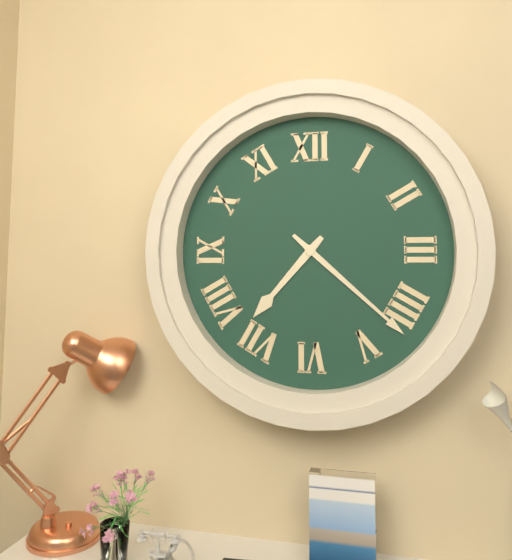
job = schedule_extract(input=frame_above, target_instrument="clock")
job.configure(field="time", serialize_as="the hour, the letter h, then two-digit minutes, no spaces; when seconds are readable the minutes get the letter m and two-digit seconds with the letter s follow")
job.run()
7h22
